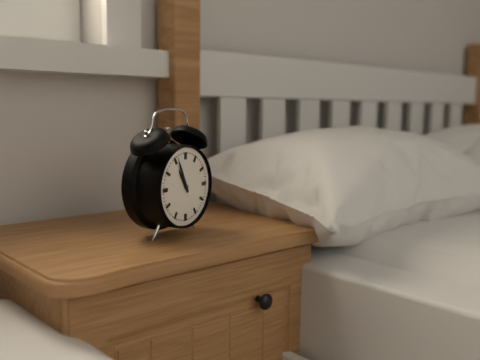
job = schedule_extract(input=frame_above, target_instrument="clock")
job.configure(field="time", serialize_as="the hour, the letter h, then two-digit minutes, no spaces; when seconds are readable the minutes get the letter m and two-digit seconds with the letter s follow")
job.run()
10h56
